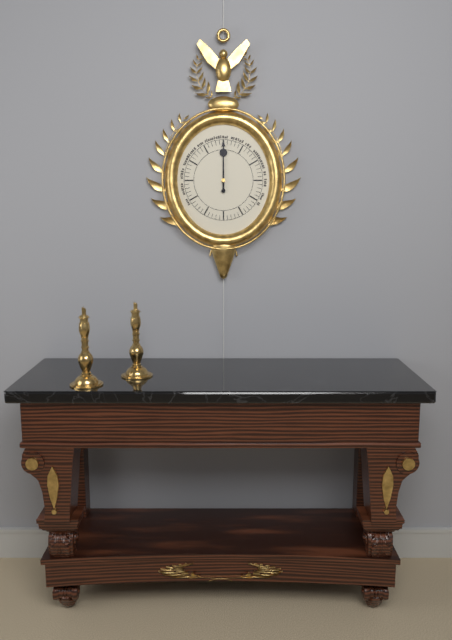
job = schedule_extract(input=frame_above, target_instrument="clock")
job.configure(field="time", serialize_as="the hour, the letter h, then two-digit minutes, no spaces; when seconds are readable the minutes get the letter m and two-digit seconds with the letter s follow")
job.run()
12h00
